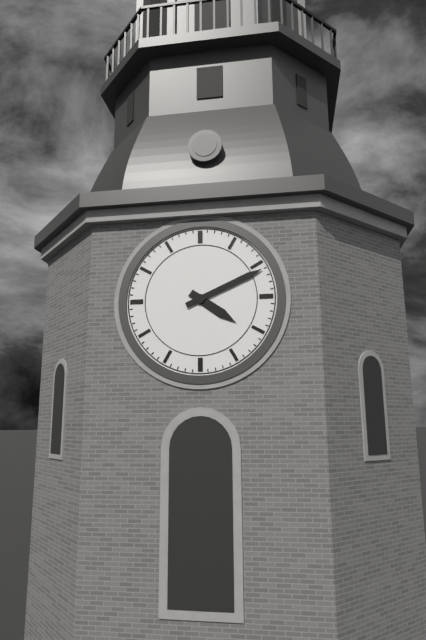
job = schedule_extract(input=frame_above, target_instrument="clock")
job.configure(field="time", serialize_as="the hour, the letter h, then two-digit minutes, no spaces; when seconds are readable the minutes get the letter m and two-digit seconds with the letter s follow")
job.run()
4h11
